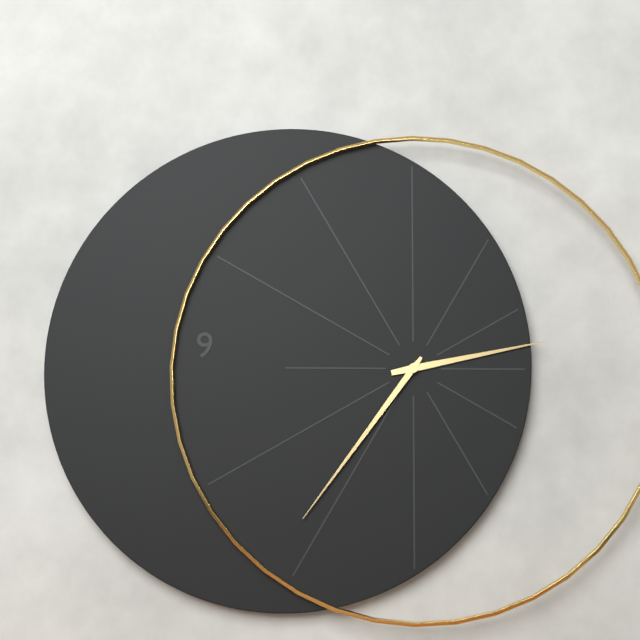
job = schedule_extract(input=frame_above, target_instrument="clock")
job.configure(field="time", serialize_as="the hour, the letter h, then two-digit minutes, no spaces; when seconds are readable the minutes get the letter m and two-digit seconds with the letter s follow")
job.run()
2h36
